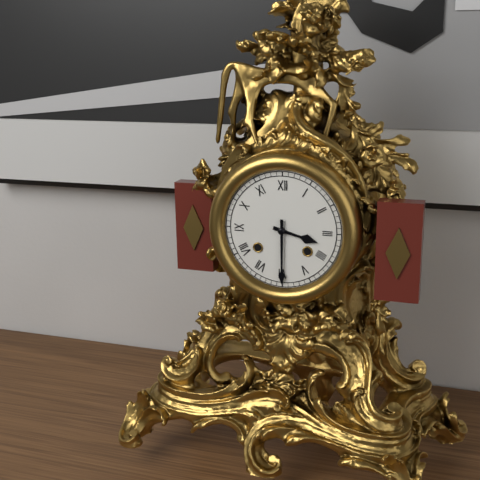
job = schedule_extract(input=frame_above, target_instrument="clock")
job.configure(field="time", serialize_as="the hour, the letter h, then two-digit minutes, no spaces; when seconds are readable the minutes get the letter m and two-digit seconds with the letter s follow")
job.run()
3h30
